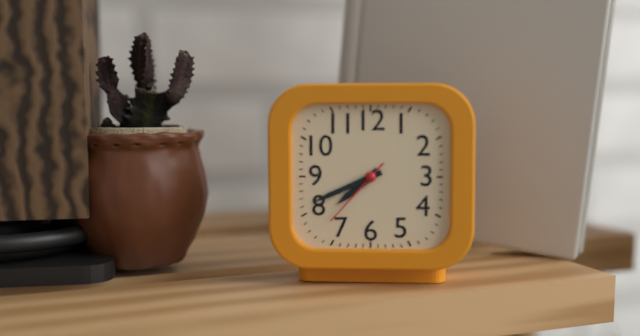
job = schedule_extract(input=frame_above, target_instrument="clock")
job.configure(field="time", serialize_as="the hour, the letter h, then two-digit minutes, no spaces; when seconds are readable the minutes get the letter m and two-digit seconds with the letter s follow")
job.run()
7h41m37s
